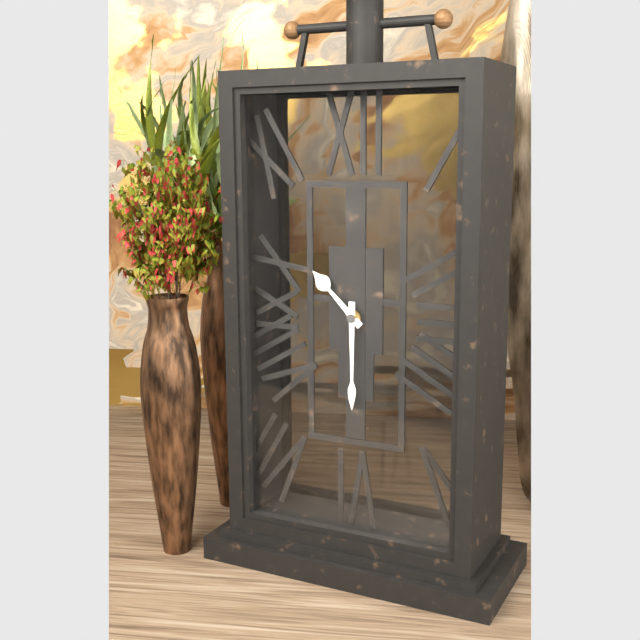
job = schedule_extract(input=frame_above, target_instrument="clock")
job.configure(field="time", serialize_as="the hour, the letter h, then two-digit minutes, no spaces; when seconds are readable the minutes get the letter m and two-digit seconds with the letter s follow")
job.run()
10h30
